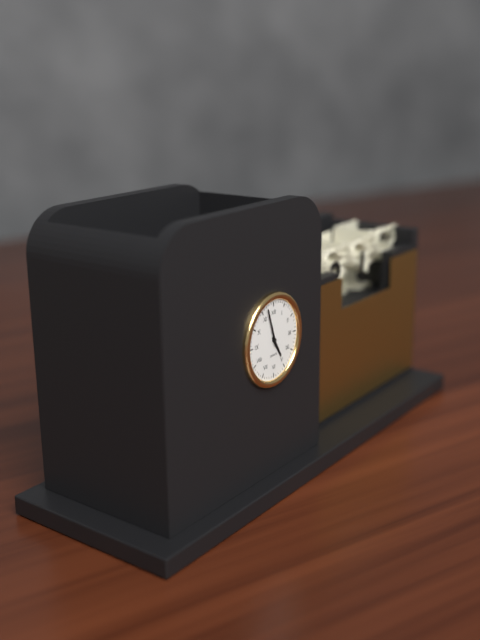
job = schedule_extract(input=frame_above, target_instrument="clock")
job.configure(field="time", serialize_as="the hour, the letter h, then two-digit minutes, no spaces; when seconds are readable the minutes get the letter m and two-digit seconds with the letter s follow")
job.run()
4h57
